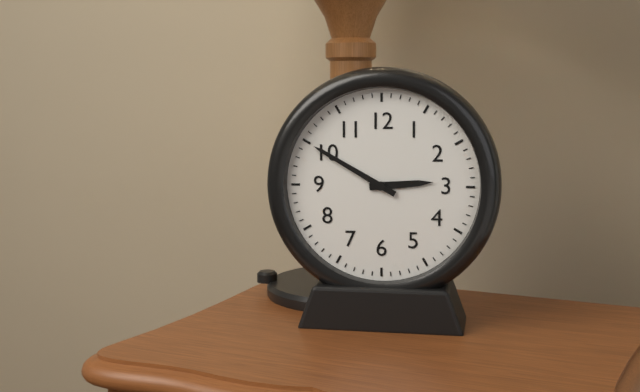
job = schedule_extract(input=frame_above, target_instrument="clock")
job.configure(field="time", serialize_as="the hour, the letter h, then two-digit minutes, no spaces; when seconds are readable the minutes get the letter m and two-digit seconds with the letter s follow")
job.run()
2h50
